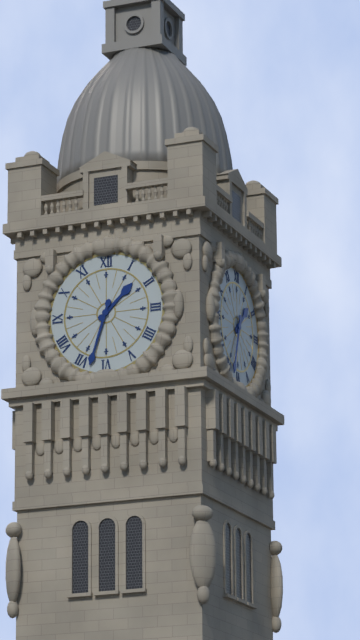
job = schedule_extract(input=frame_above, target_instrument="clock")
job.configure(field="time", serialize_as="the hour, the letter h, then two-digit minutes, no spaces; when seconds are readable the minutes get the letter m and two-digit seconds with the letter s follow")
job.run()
1h33
